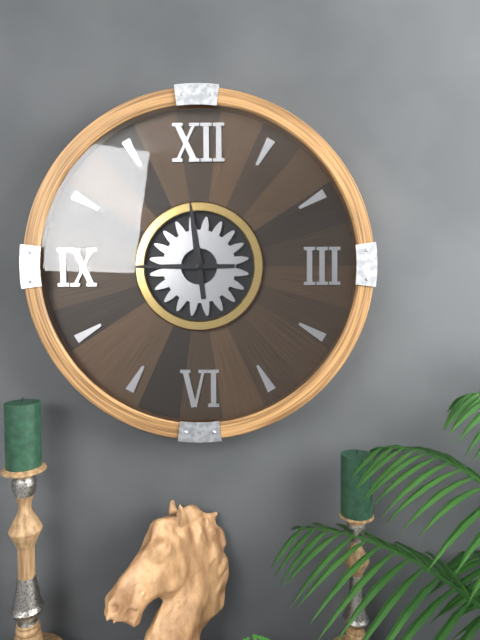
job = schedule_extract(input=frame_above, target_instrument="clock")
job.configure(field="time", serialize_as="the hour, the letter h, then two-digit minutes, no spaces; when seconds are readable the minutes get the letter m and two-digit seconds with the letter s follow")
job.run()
11h45
